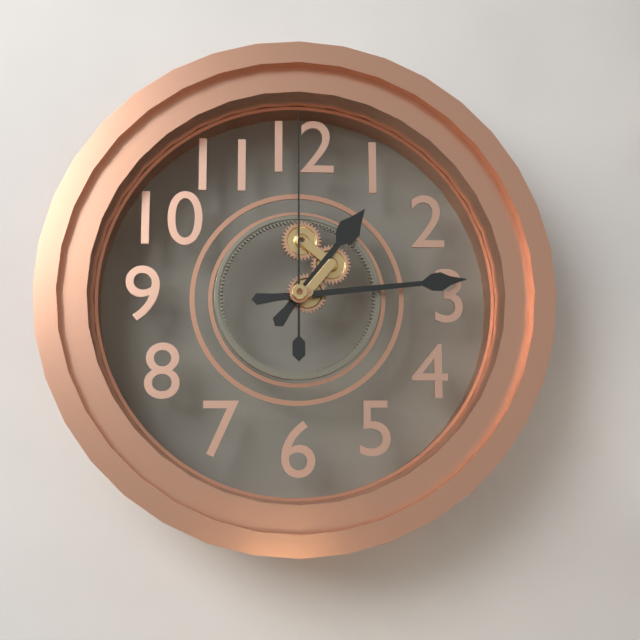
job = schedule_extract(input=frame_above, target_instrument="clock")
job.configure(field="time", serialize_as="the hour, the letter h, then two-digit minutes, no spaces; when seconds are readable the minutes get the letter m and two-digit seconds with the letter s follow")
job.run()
1h14m00s
